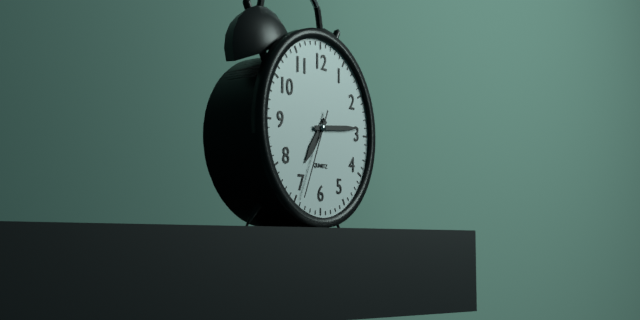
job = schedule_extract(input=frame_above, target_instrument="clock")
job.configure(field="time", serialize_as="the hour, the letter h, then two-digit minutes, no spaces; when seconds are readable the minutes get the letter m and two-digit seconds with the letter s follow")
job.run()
7h14m34s
